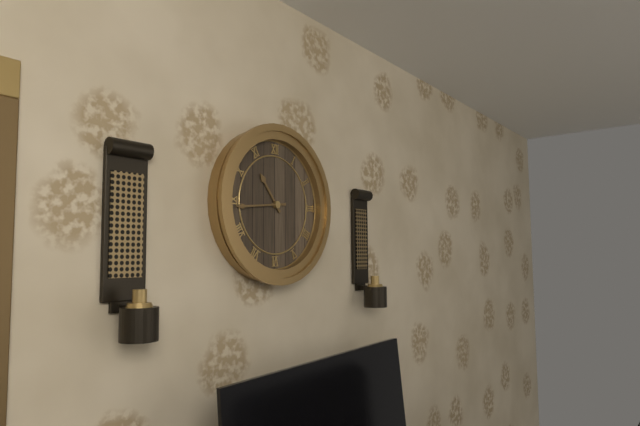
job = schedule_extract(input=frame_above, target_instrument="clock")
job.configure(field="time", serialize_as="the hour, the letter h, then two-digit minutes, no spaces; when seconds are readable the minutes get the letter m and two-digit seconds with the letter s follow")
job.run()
10h44
